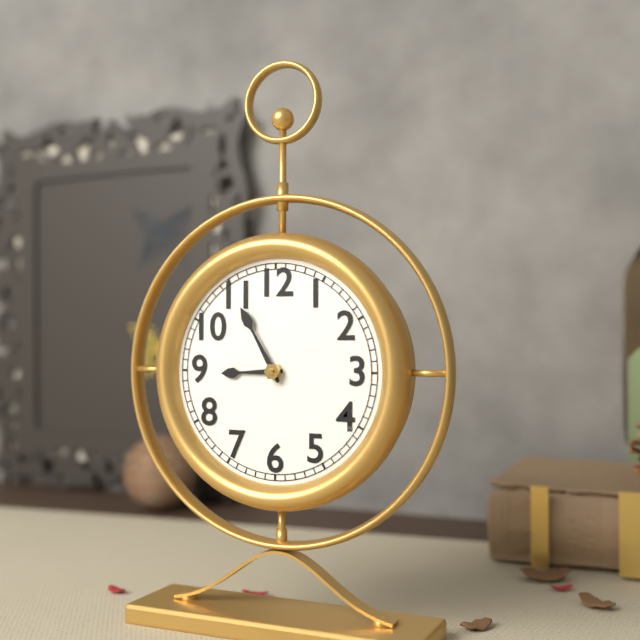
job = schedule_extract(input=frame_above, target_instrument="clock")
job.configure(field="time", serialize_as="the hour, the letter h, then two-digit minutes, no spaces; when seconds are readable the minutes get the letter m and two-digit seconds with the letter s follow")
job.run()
8h55
